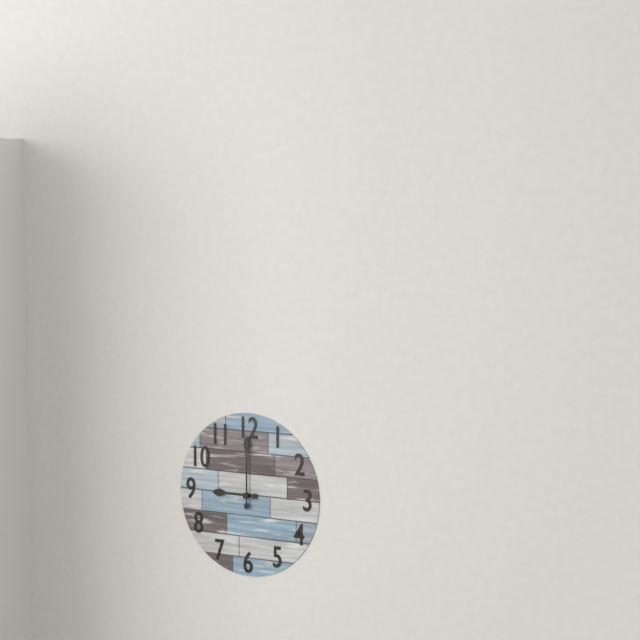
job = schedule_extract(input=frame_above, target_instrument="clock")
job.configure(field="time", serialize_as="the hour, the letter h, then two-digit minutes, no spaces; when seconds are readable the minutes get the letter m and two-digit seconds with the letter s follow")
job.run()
9h00
